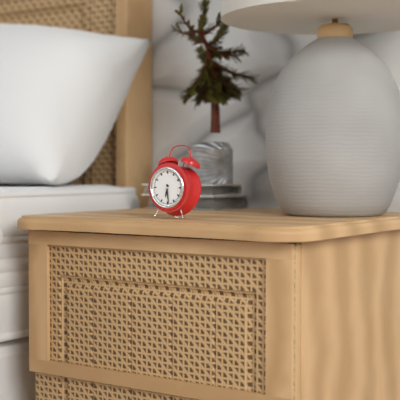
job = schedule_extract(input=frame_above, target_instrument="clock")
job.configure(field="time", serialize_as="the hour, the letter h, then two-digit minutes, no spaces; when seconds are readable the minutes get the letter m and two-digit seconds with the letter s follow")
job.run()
6h29
